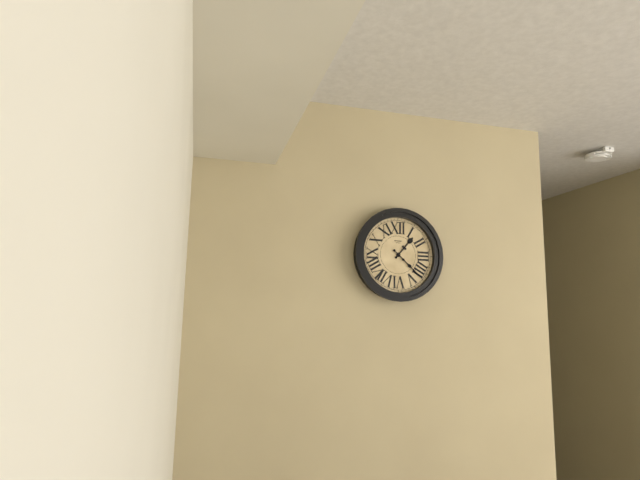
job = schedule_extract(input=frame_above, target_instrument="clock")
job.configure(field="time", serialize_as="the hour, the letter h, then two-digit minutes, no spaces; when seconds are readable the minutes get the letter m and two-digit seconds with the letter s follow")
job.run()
1h22
